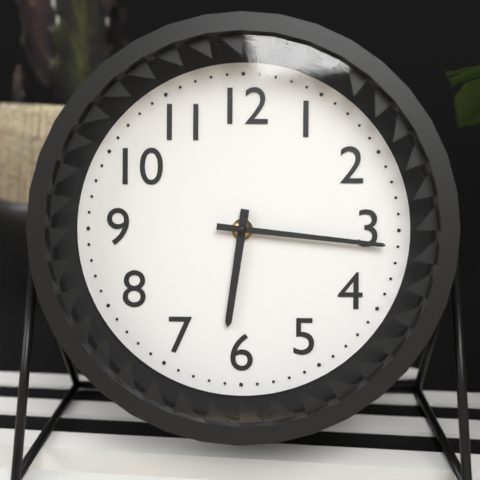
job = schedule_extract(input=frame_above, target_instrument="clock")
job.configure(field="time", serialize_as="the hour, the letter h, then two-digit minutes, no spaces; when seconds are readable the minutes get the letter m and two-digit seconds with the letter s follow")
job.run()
6h16
